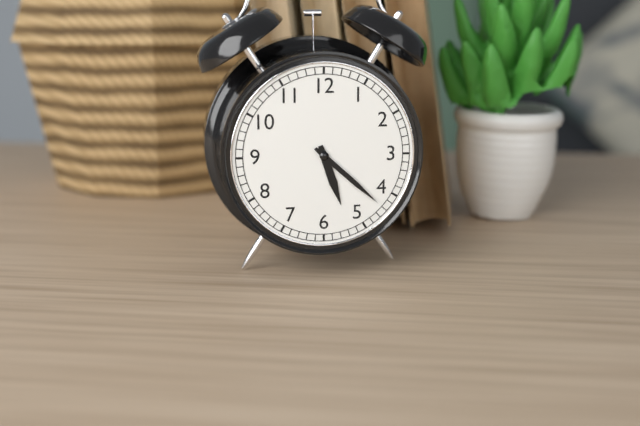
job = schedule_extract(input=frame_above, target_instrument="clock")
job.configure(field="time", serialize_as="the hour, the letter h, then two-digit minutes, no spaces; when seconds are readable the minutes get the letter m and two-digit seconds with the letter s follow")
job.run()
5h22
